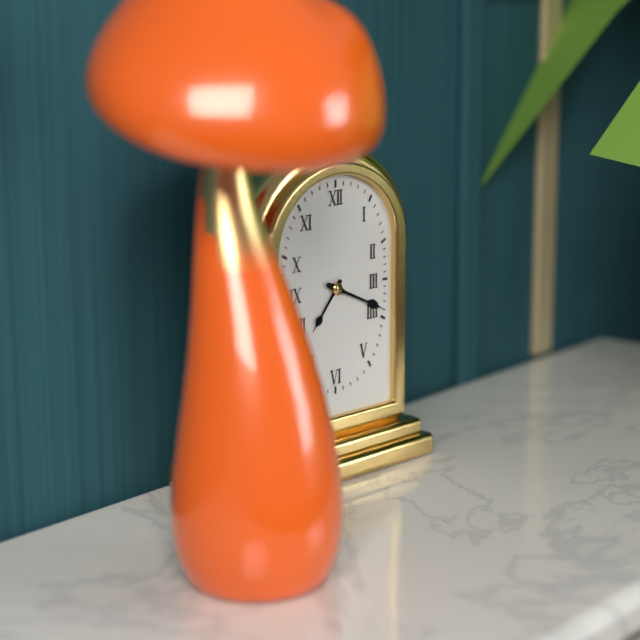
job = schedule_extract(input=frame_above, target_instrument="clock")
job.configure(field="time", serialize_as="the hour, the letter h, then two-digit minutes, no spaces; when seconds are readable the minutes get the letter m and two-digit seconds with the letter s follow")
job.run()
7h19
